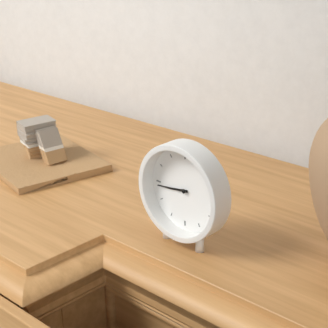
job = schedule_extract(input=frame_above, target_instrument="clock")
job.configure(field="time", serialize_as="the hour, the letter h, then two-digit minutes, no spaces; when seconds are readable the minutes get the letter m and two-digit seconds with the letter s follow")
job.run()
8h44
